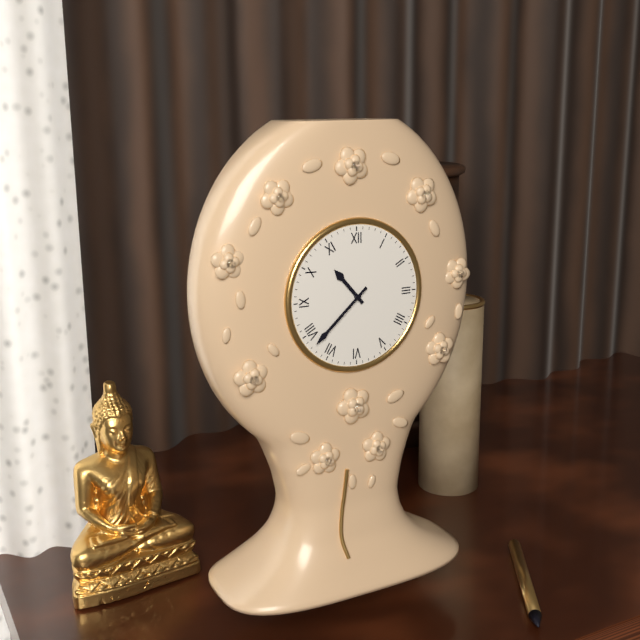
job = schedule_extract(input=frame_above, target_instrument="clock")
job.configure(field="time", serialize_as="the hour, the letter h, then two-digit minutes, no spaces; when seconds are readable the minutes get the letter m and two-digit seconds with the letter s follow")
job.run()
10h38
